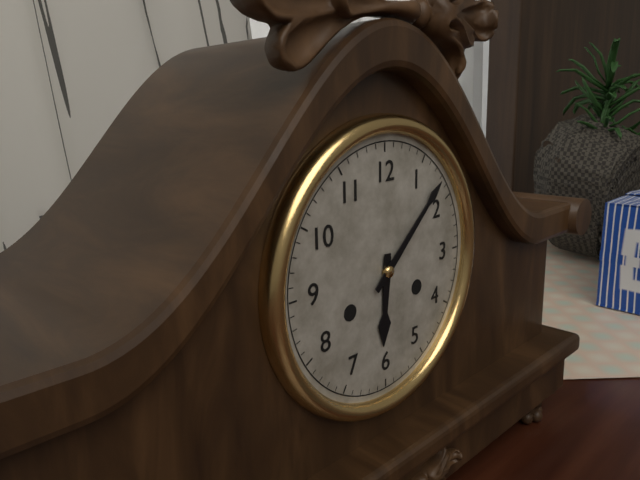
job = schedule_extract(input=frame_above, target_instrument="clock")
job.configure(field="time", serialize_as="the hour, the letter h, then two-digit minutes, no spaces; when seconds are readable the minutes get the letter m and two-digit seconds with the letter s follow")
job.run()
6h08
